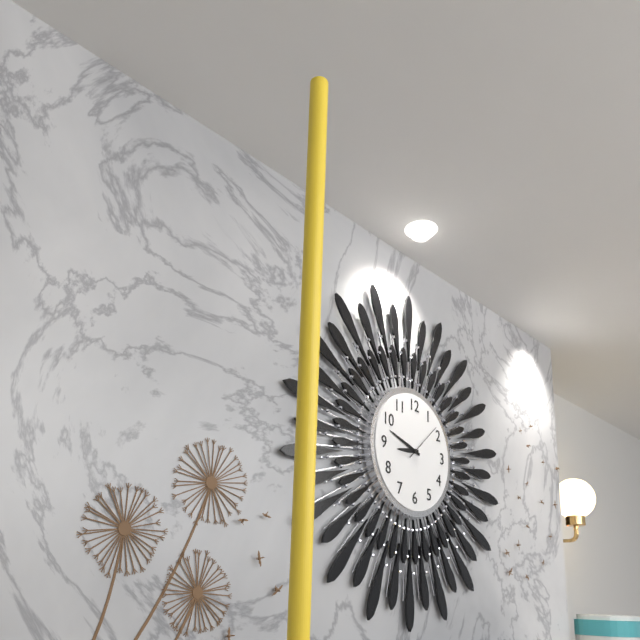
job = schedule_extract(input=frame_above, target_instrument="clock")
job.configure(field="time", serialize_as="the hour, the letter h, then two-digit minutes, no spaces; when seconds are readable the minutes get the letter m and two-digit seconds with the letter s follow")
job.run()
8h48m08s
